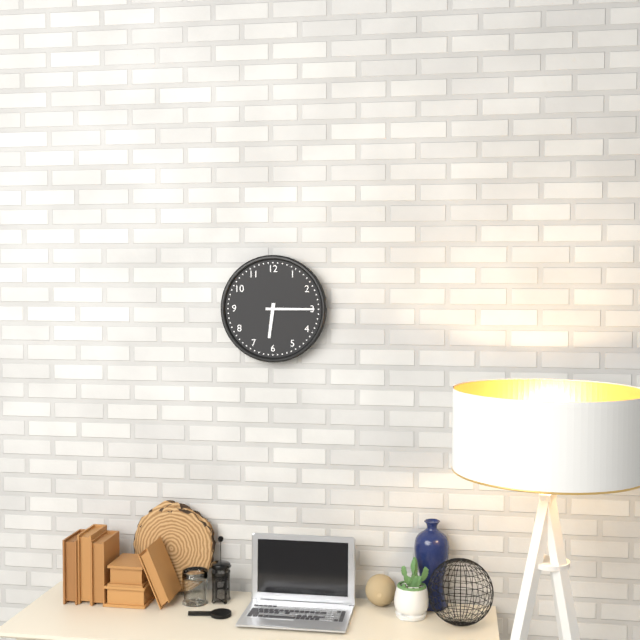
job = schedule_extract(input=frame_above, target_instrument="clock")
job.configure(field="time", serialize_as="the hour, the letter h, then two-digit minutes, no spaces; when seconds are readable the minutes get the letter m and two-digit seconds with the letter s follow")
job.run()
6h15
